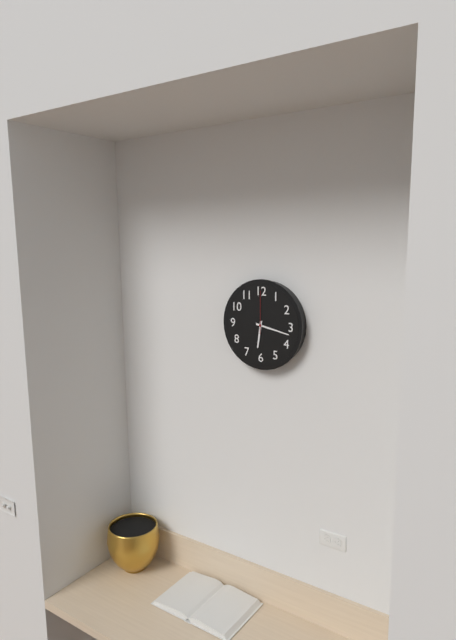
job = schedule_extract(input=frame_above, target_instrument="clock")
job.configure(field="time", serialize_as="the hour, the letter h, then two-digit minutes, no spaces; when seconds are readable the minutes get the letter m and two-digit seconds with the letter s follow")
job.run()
6h17
